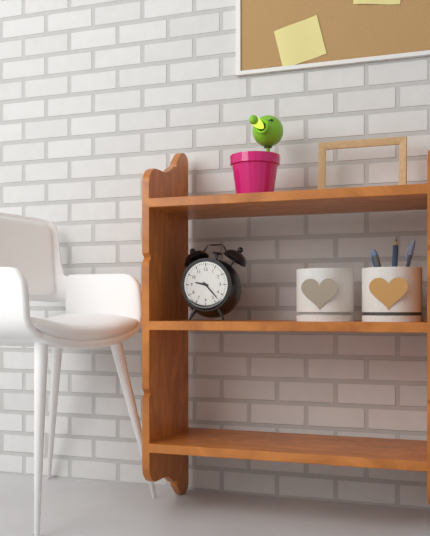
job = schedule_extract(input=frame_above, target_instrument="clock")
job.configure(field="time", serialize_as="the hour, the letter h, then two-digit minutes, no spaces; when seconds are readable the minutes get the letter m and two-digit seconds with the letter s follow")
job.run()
9h23
